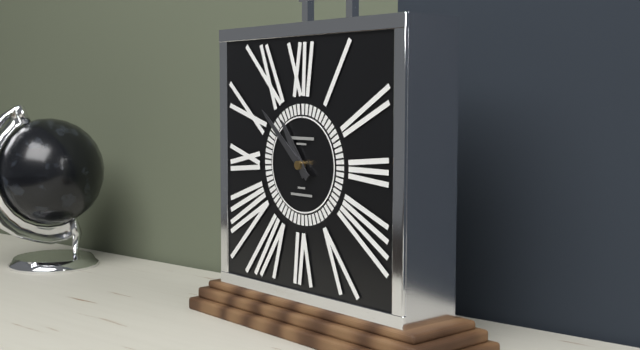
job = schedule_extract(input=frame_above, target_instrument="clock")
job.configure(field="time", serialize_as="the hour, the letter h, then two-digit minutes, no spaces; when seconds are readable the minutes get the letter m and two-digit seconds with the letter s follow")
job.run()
10h52
